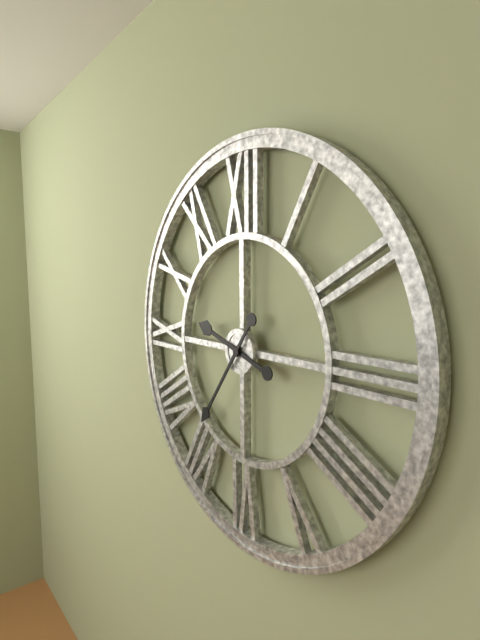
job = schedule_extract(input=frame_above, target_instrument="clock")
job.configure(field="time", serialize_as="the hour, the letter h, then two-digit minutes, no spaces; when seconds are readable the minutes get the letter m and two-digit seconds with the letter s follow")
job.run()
9h36
